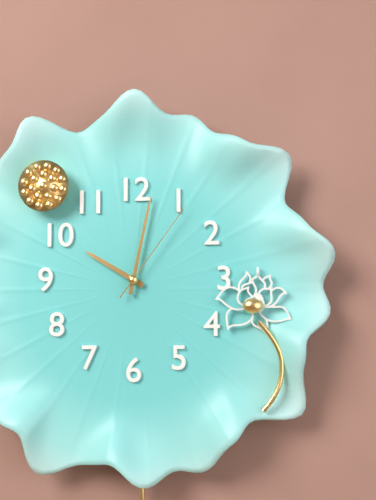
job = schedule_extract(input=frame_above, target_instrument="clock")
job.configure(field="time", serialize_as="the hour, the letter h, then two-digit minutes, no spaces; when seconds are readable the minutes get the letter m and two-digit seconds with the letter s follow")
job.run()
10h02m06s
